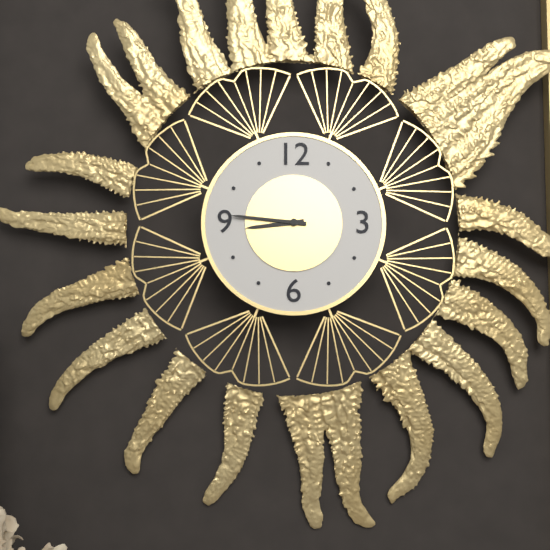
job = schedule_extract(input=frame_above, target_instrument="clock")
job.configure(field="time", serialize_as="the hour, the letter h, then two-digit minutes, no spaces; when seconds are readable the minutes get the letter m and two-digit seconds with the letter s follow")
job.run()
8h46
